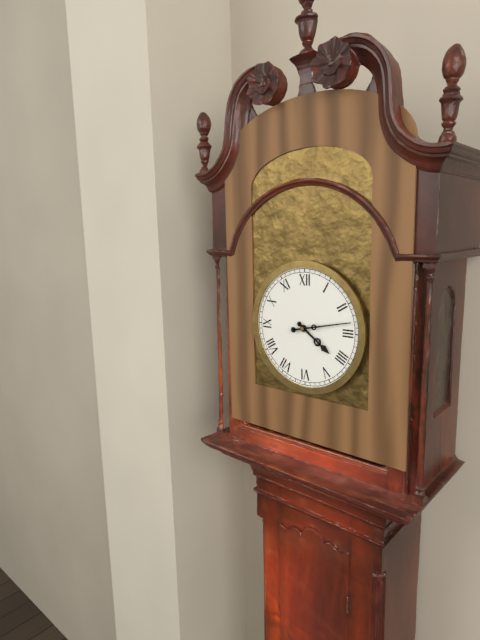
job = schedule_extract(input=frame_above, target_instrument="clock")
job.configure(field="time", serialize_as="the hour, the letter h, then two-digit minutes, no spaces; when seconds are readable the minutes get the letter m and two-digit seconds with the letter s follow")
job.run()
4h13
